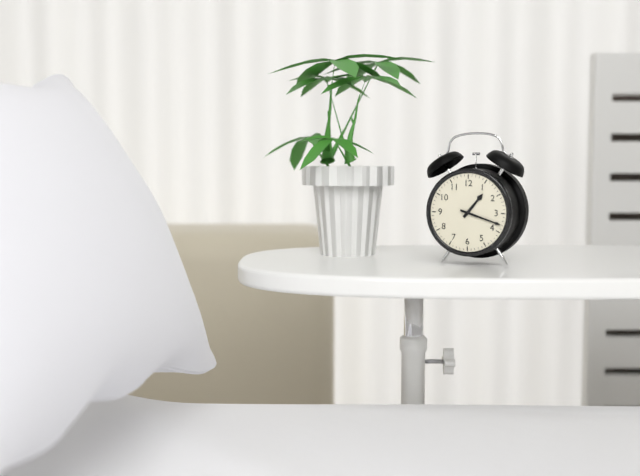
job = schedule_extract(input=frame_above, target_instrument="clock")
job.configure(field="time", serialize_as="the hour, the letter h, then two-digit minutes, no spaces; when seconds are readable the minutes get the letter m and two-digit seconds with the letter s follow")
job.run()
1h18
